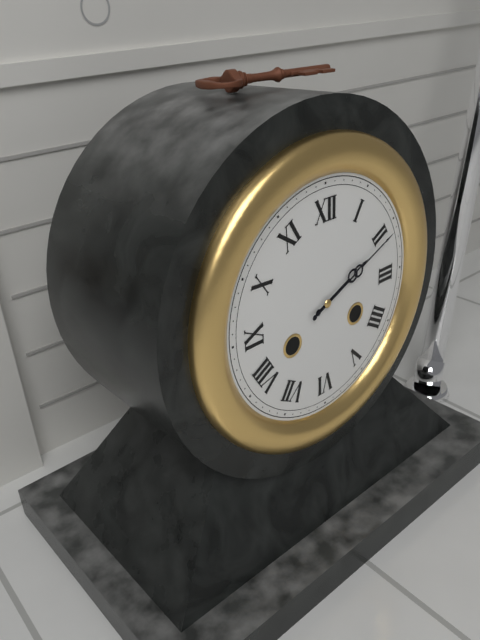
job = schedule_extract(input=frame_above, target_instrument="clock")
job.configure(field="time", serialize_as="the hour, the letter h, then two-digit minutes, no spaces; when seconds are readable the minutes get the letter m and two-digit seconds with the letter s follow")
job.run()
2h11
